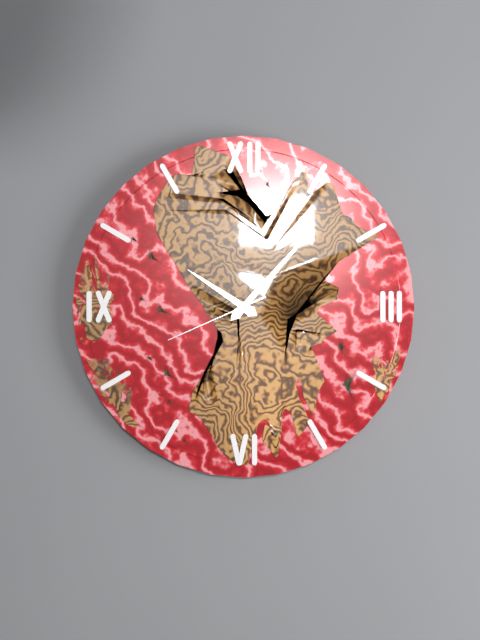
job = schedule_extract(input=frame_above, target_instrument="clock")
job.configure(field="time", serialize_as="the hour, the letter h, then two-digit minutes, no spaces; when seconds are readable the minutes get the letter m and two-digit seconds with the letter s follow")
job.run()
10h07m41s
